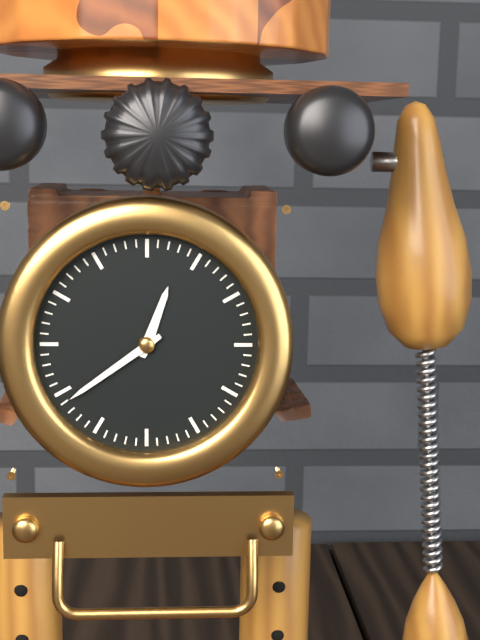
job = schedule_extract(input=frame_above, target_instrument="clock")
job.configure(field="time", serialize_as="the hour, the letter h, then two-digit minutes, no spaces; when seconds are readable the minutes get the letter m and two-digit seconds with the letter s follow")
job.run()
12h39
